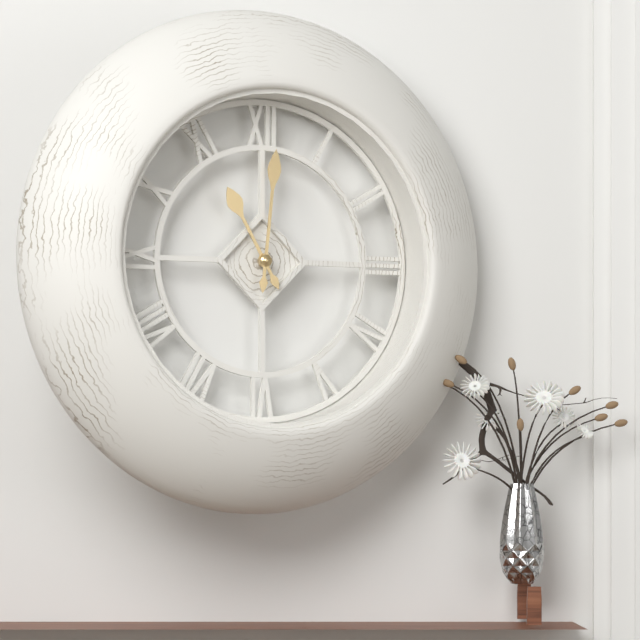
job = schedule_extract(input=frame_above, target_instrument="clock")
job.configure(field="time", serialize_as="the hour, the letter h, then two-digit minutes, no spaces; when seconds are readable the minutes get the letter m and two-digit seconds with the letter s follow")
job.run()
11h01
